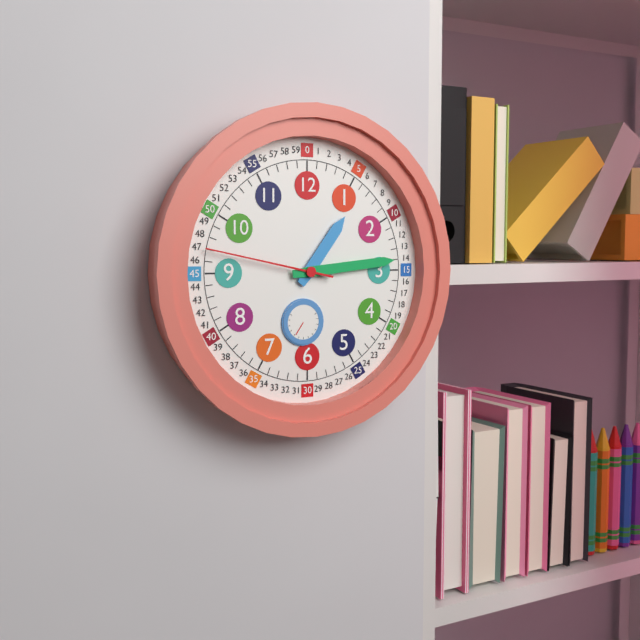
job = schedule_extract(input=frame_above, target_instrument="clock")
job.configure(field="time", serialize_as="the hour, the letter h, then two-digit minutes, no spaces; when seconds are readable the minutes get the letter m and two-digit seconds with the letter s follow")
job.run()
1h14m47s
